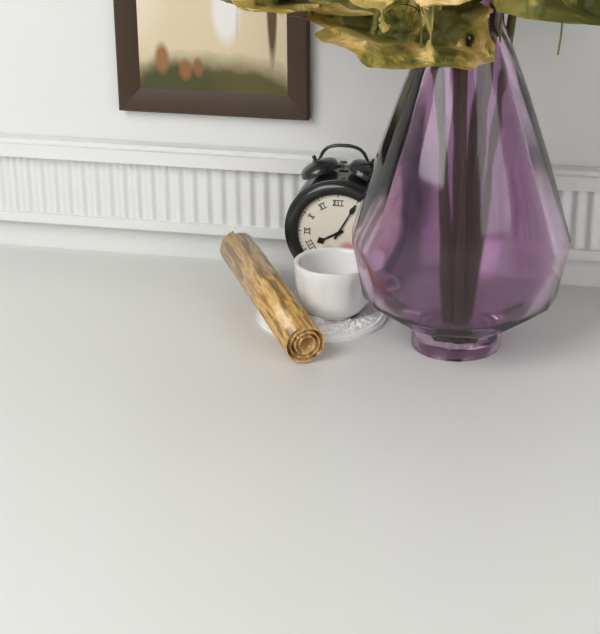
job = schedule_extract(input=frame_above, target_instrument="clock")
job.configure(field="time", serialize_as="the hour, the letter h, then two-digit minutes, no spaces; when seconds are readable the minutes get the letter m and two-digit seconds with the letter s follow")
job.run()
8h05
